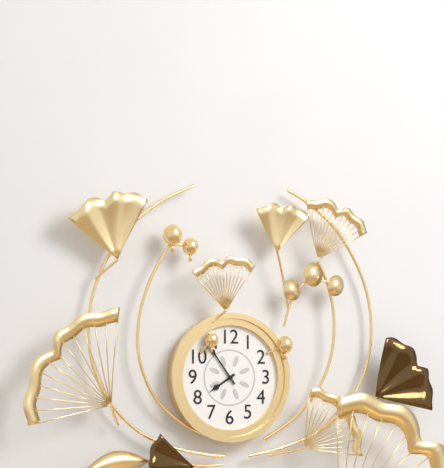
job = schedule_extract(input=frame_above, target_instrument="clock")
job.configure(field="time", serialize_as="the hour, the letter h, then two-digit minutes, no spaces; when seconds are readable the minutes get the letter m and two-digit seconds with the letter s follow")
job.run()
7h54
